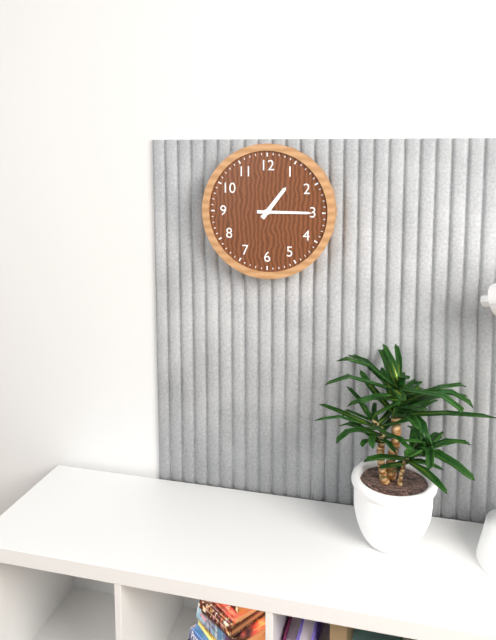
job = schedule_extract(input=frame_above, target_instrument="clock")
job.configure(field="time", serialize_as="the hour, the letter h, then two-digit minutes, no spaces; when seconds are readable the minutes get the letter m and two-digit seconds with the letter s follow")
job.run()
1h15
